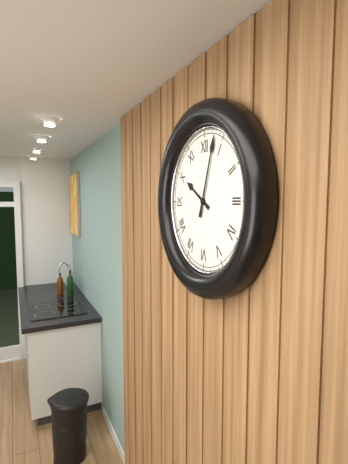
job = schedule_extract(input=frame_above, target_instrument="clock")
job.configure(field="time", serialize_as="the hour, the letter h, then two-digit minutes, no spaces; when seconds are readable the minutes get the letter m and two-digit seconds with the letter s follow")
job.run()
10h03
